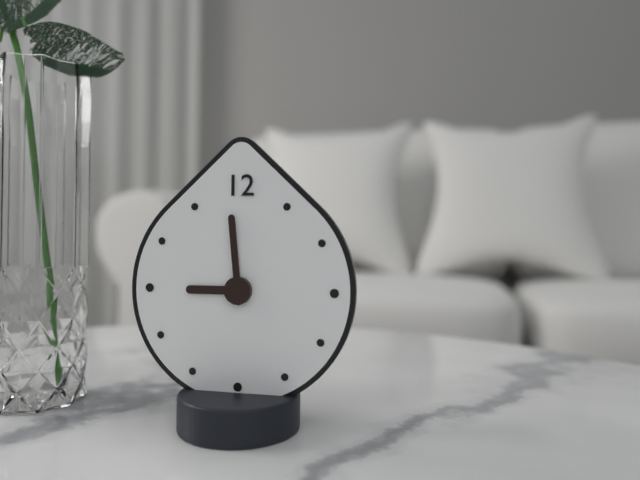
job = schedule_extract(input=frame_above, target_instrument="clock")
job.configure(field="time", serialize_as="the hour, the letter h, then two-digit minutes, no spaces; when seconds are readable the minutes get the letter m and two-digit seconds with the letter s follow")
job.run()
8h59
